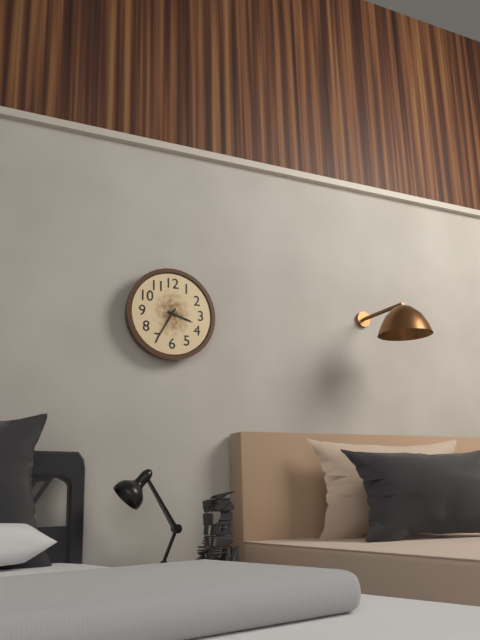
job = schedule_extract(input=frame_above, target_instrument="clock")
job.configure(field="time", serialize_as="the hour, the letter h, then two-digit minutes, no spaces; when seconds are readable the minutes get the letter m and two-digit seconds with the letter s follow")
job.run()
3h35
